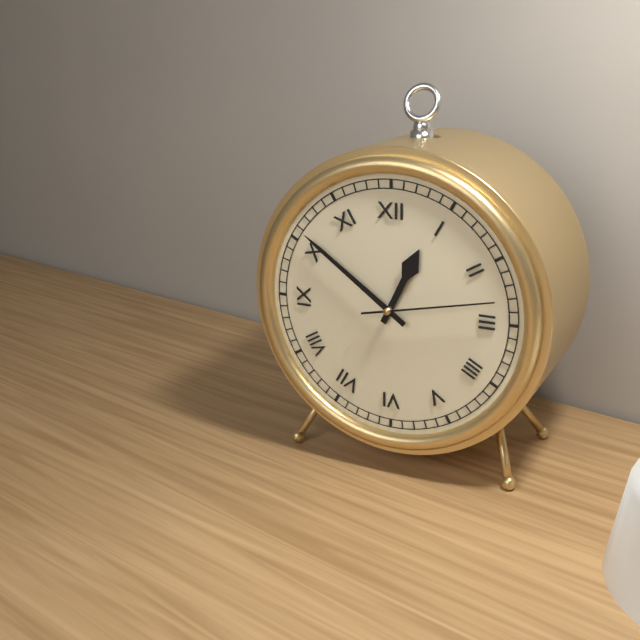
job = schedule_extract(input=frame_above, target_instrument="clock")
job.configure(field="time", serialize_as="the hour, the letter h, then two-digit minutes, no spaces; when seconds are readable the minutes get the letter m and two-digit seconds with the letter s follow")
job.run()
12h51m13s
